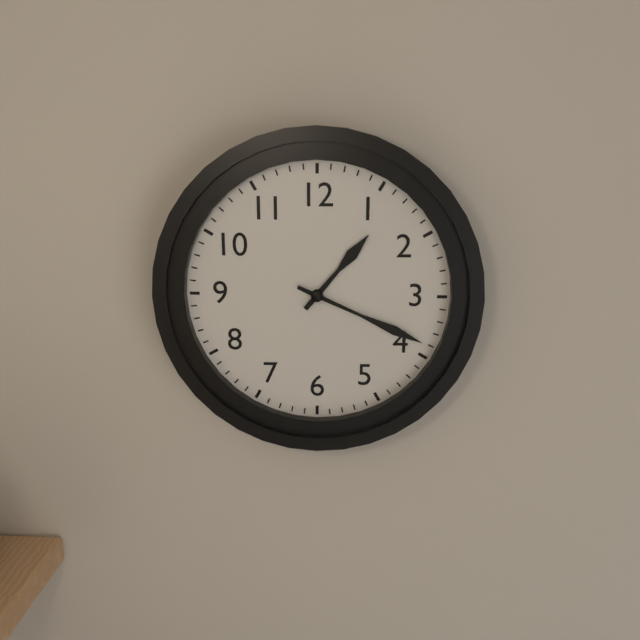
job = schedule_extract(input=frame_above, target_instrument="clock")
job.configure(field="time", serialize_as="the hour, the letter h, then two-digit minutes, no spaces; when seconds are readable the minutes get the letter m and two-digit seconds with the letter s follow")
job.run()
1h19
